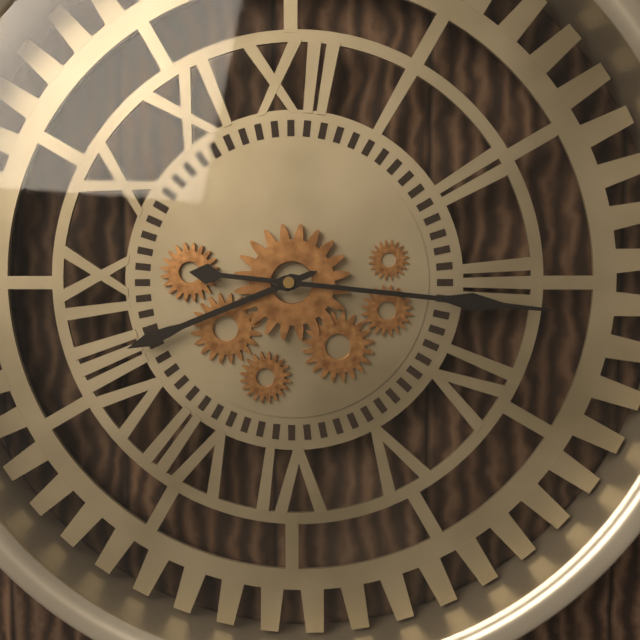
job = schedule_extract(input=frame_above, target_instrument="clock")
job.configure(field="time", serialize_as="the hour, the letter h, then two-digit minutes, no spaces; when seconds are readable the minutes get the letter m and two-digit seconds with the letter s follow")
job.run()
8h16
